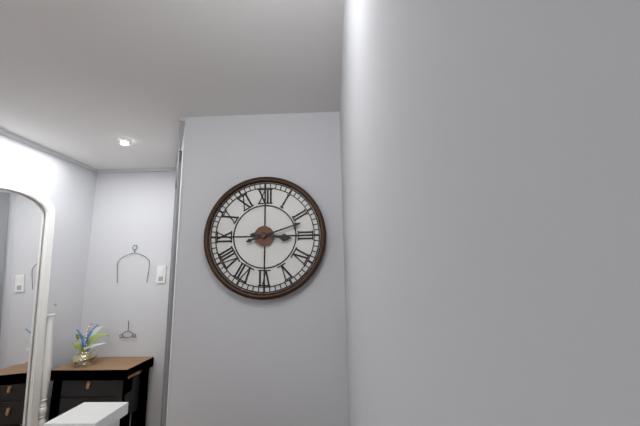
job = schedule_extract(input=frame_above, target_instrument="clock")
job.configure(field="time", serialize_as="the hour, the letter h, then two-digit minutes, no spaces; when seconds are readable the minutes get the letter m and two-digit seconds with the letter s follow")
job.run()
3h12
